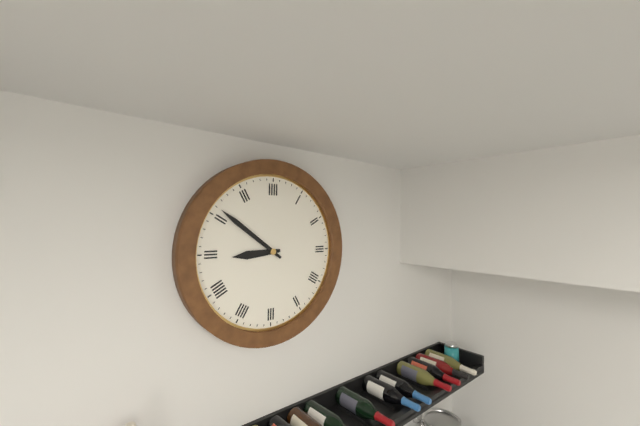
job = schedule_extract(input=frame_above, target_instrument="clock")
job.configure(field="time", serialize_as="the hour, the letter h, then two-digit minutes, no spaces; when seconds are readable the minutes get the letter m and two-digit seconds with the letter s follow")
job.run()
8h51
